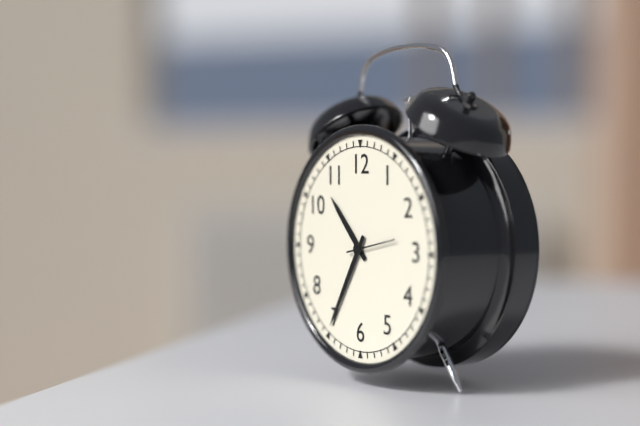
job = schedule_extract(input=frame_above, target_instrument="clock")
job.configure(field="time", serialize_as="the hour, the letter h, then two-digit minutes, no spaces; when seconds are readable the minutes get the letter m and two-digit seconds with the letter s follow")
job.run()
10h35
